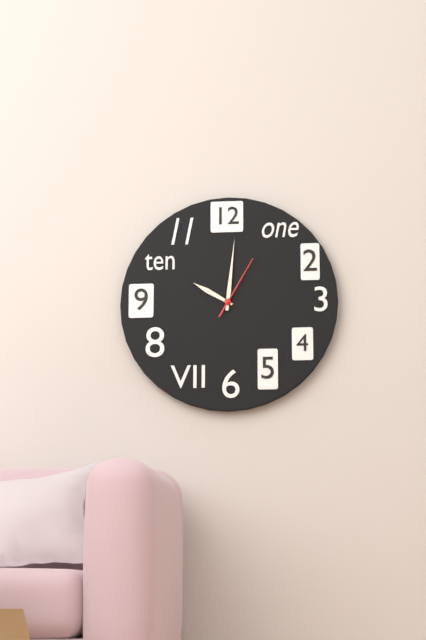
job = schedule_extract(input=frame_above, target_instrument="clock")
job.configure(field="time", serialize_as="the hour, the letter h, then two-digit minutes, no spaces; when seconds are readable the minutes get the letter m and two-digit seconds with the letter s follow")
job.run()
10h01m05s
